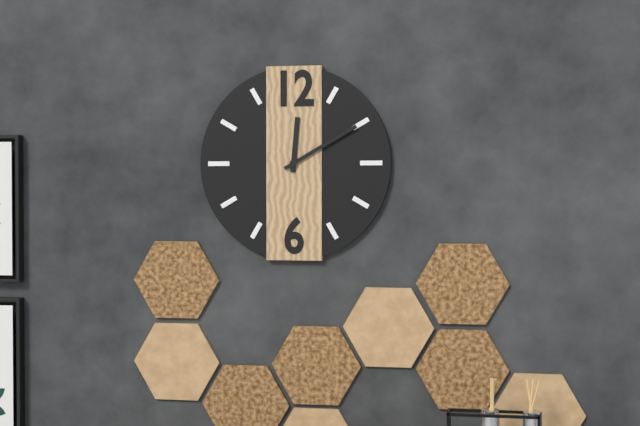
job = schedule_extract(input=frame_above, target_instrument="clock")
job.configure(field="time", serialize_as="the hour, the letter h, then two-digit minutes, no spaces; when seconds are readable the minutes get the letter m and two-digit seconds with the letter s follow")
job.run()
12h10
